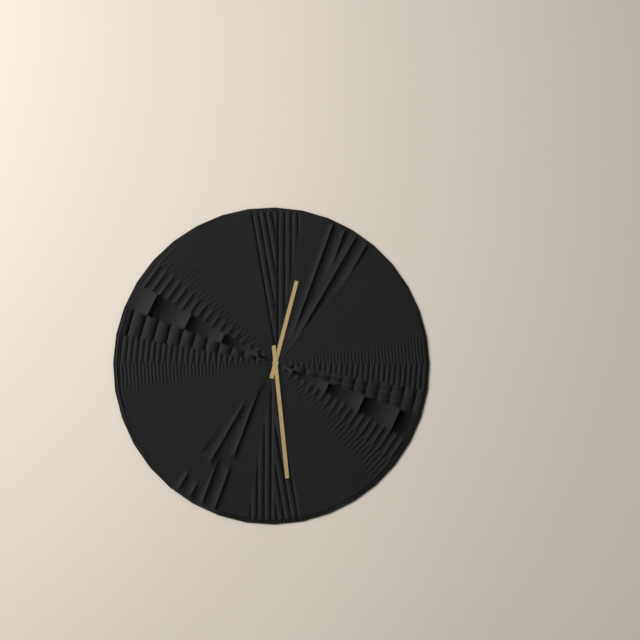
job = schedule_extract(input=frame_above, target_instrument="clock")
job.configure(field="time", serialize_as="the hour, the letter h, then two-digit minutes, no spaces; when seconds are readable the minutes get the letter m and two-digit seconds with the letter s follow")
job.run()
12h29
